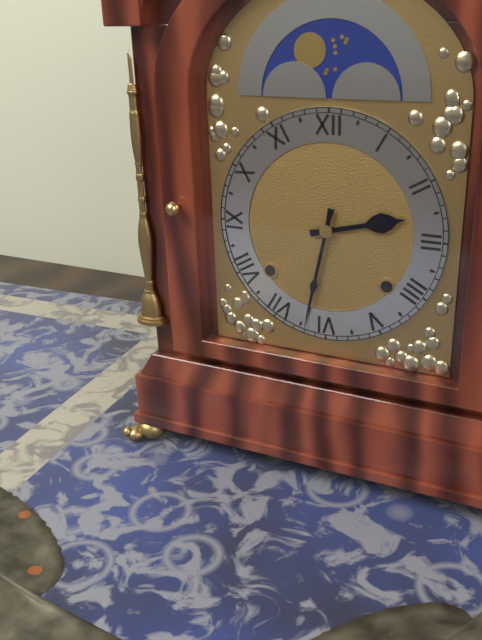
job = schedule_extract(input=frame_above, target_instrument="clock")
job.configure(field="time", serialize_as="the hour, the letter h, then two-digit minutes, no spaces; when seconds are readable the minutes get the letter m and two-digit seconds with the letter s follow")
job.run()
2h32
